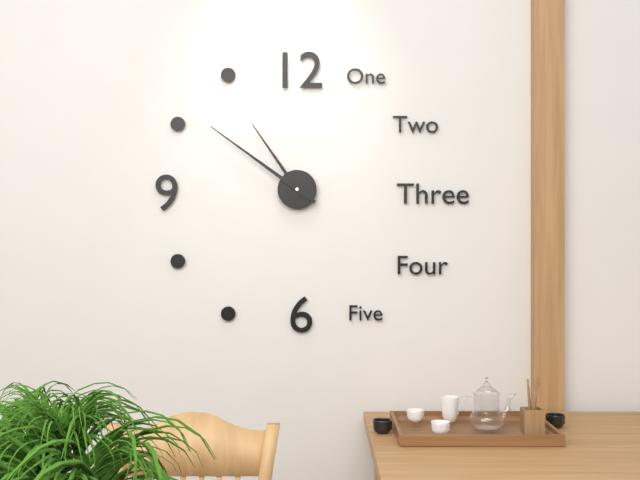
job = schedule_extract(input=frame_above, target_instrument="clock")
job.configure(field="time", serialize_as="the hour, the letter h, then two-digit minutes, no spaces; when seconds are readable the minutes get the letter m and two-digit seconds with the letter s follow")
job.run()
10h51
